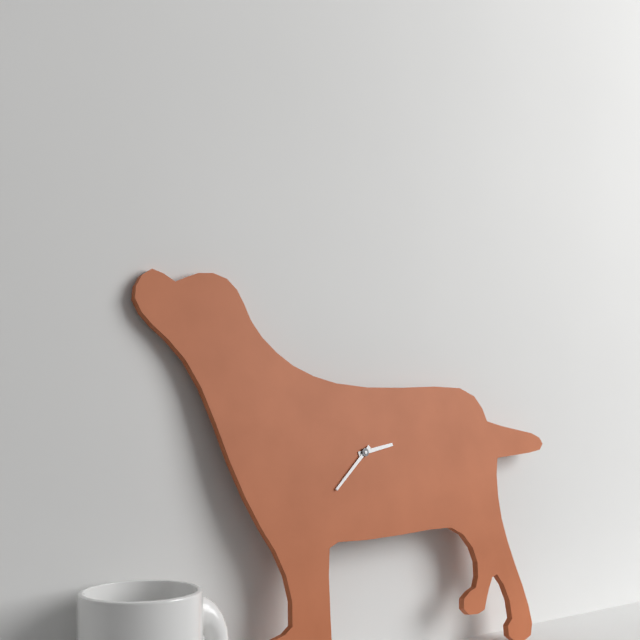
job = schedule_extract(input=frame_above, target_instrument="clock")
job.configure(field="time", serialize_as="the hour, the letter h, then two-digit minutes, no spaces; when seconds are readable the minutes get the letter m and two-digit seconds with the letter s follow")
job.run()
2h38
